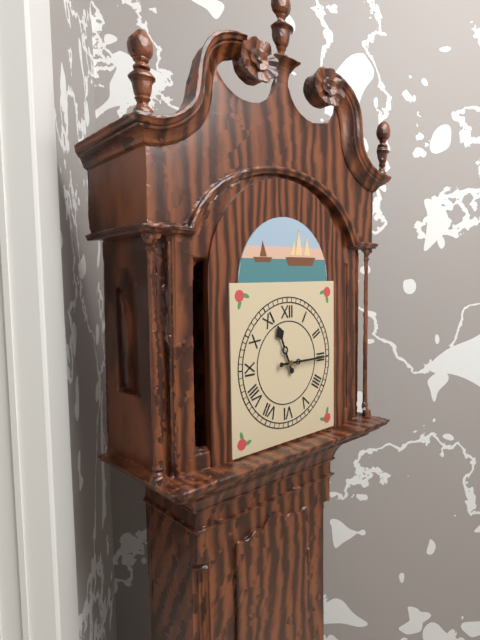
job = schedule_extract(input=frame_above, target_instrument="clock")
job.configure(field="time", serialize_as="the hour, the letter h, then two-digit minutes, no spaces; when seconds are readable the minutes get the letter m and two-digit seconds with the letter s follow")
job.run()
11h15
